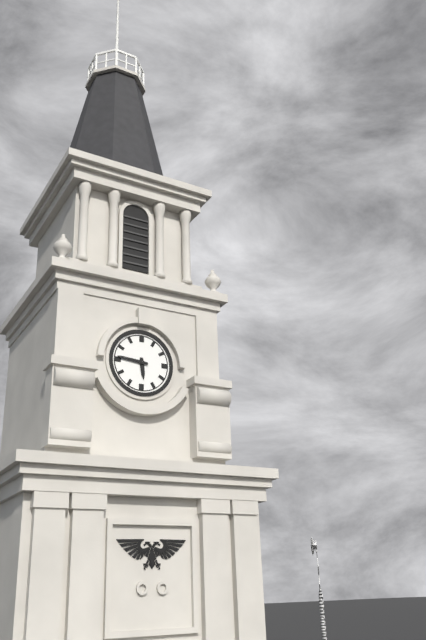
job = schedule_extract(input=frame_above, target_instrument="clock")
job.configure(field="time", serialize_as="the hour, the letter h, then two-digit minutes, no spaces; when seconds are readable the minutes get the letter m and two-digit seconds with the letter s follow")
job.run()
5h46
